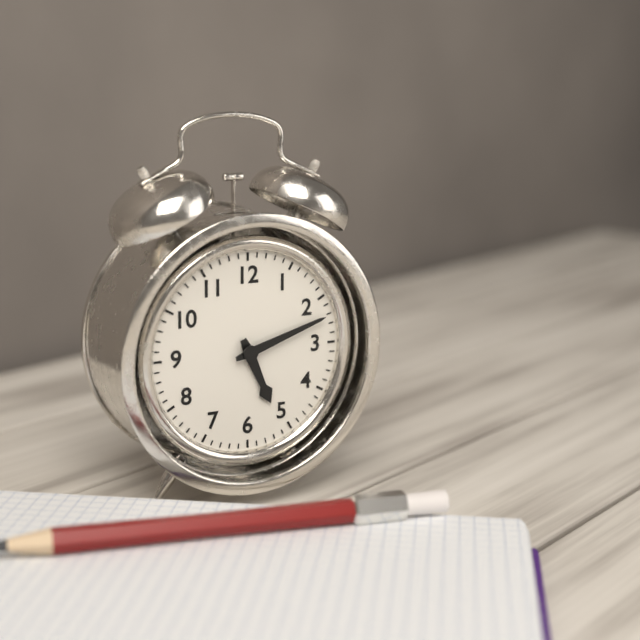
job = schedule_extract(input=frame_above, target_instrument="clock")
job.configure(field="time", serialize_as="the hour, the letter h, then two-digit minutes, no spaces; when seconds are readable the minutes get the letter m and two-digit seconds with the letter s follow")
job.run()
5h12
